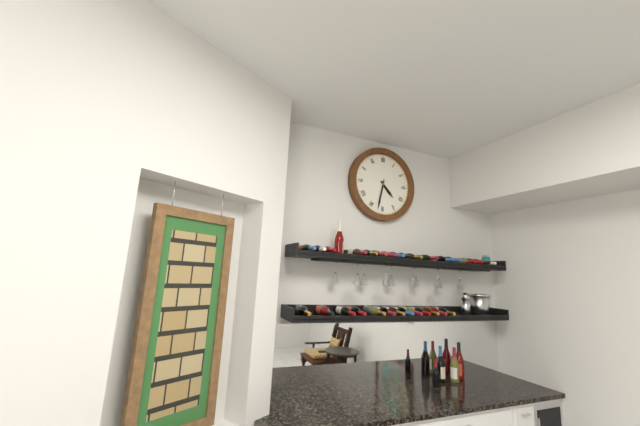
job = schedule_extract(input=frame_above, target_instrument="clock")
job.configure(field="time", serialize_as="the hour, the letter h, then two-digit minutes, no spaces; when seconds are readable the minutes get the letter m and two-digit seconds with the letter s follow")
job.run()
4h32
